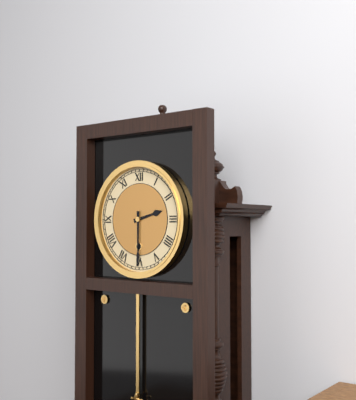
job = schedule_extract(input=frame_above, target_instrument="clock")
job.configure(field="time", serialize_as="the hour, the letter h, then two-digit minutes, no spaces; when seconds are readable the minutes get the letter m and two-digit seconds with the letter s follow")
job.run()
2h30
